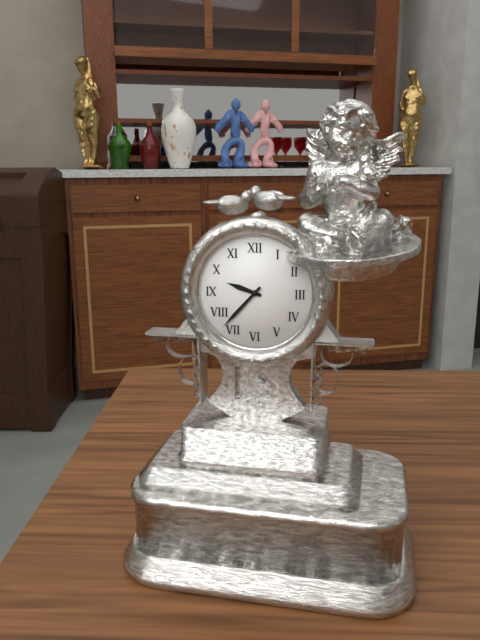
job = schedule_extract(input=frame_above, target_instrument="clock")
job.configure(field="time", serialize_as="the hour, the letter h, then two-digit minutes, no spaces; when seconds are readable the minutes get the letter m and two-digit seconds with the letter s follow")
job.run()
9h37
